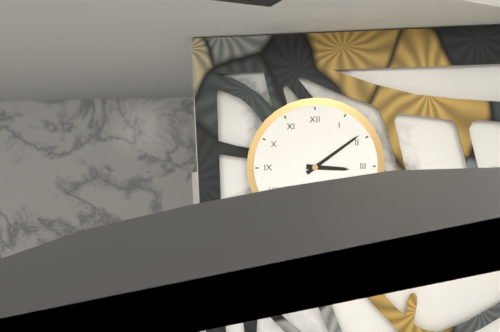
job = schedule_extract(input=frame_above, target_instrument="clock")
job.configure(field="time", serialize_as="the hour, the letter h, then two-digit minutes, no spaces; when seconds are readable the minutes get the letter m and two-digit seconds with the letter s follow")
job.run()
3h09
